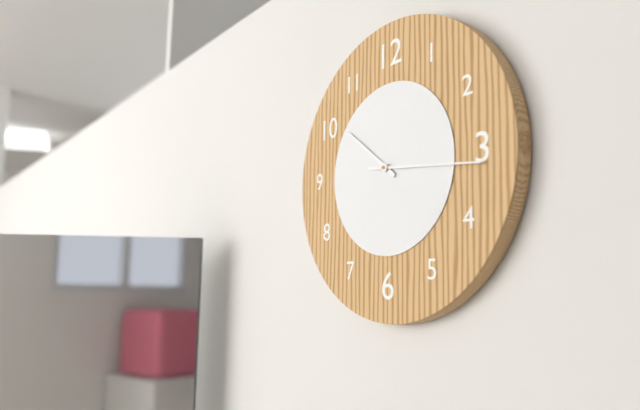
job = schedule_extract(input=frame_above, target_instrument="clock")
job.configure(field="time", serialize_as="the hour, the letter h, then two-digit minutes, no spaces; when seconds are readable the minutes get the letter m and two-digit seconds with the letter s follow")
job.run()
10h16
